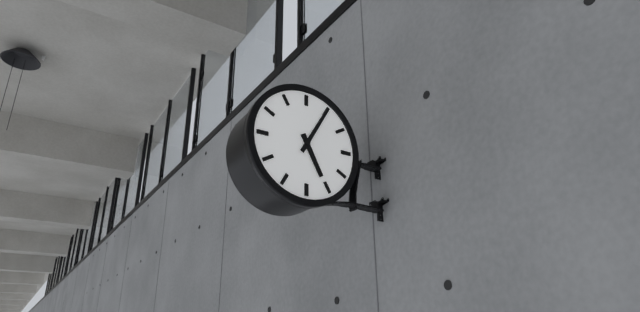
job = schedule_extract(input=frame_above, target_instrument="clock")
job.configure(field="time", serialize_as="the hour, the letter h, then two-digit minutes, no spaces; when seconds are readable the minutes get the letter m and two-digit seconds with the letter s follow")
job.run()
5h05
